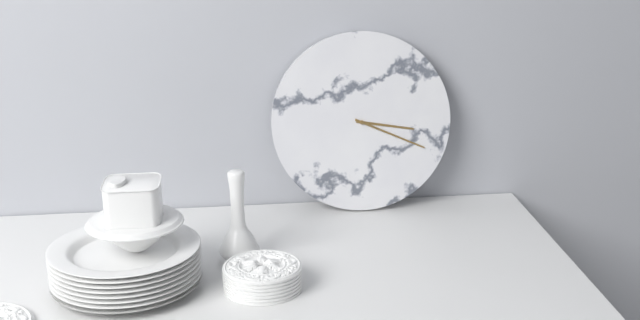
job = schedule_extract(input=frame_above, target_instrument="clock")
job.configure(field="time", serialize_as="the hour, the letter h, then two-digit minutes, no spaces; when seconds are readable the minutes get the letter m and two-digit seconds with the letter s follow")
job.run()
3h19
